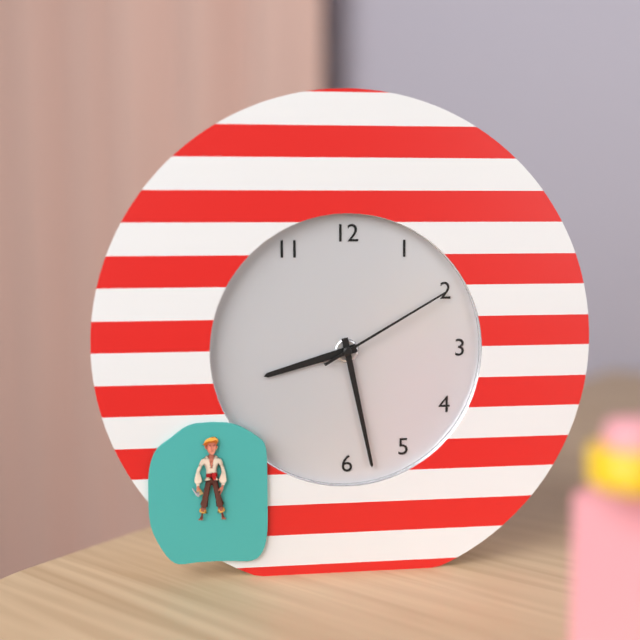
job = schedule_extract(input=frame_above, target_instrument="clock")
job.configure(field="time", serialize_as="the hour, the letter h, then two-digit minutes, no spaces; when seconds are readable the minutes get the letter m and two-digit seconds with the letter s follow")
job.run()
8h28m10s
